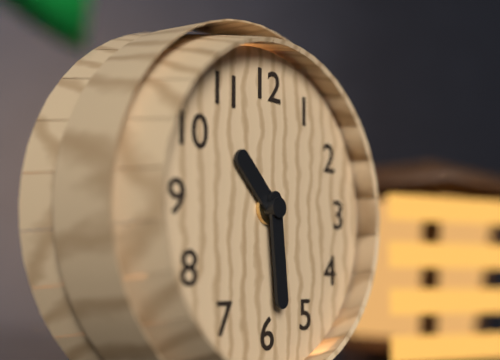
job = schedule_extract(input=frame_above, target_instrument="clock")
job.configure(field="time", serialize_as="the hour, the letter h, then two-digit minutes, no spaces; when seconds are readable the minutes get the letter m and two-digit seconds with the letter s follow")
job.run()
10h29
